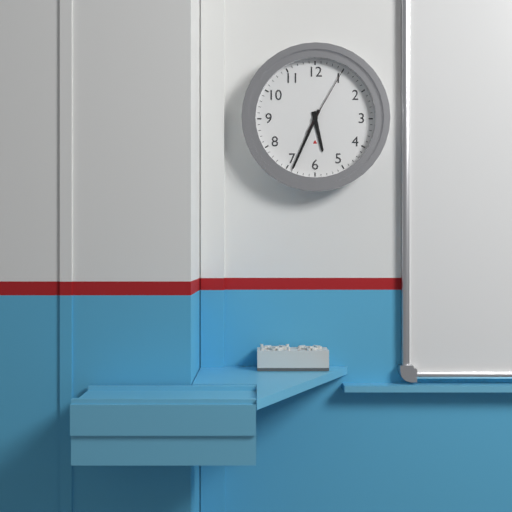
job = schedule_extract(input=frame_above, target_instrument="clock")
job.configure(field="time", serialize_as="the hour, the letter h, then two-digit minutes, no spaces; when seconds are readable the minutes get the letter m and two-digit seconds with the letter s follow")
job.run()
5h34m05s
